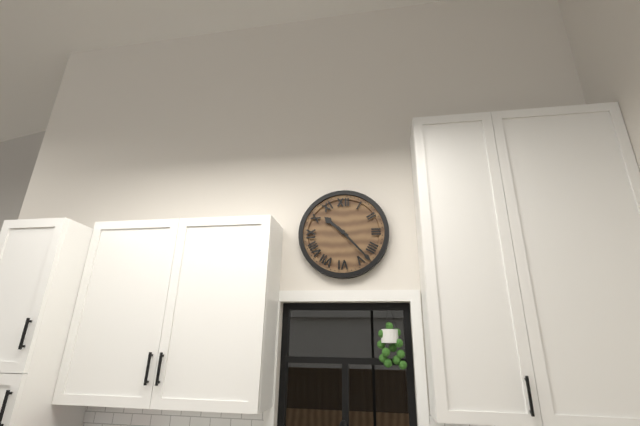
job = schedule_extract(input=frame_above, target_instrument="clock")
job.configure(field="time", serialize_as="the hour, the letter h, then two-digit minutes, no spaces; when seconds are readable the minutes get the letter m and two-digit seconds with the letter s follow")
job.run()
10h23
